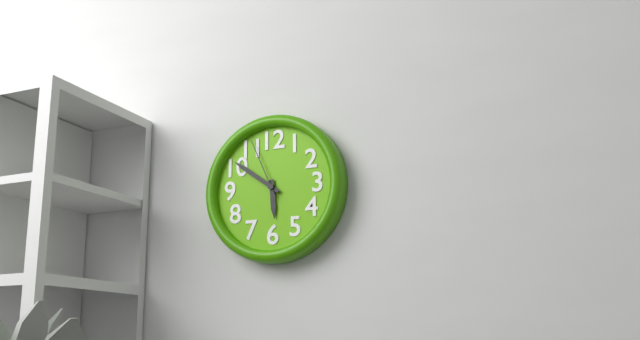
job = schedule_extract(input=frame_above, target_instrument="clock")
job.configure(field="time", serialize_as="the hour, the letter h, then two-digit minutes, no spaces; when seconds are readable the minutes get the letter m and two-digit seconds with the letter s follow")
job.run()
5h51m56s
